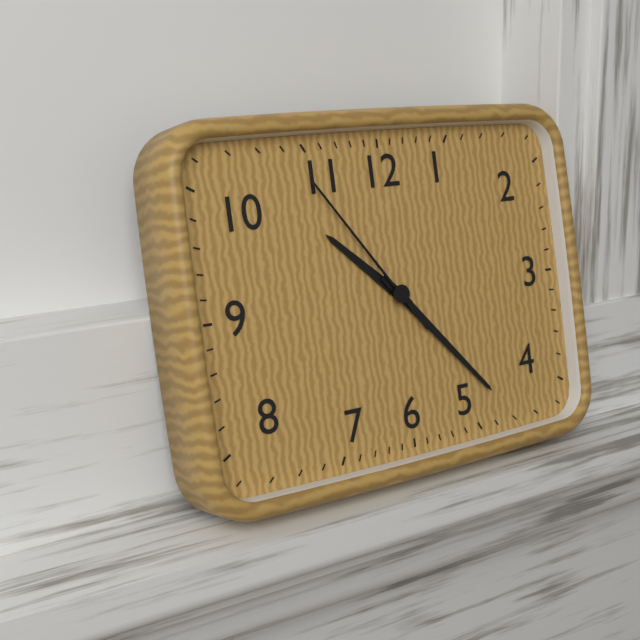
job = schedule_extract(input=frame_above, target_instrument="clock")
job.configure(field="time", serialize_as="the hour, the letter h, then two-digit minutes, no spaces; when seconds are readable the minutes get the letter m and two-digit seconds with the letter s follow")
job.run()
10h23m54s
